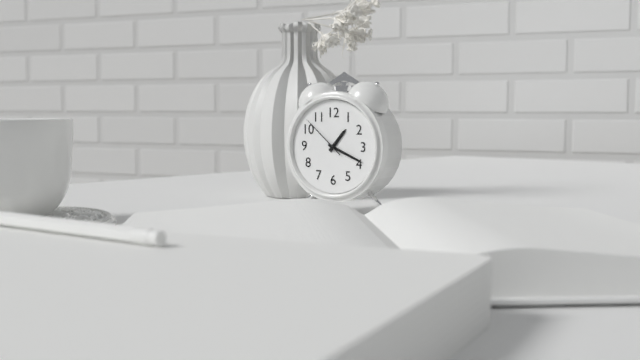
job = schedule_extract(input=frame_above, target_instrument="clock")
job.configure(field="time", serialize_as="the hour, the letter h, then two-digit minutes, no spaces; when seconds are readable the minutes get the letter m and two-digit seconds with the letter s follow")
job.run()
1h19
